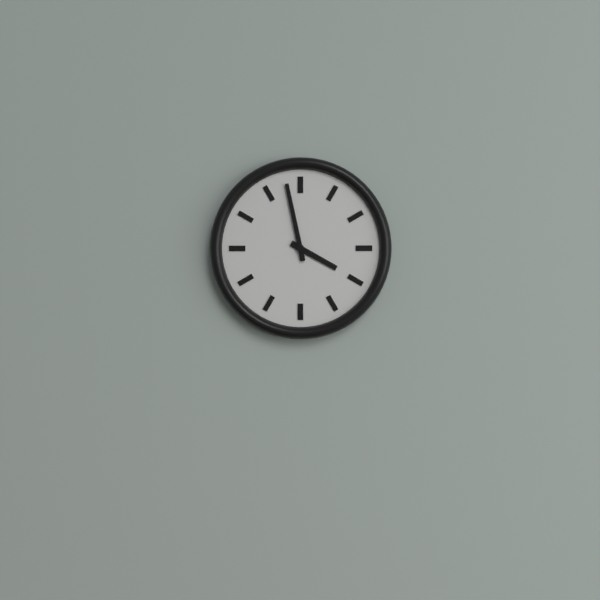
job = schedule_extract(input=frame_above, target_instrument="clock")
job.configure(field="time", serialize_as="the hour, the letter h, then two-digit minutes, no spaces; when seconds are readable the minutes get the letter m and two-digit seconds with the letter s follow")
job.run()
3h58
